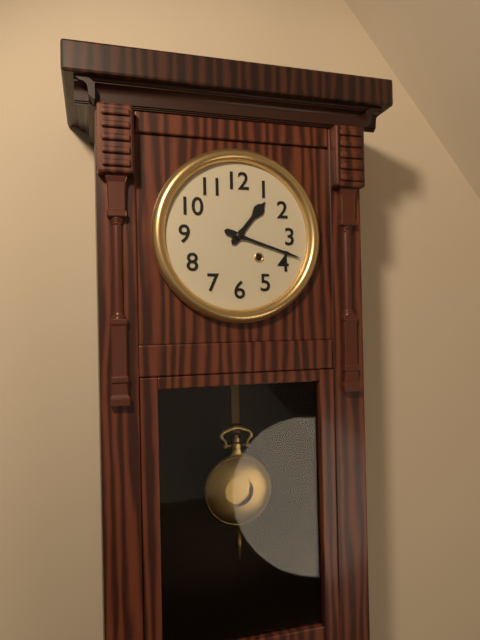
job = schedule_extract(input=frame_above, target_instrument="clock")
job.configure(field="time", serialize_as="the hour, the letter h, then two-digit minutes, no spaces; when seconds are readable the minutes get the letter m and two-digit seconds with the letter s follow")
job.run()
1h18
